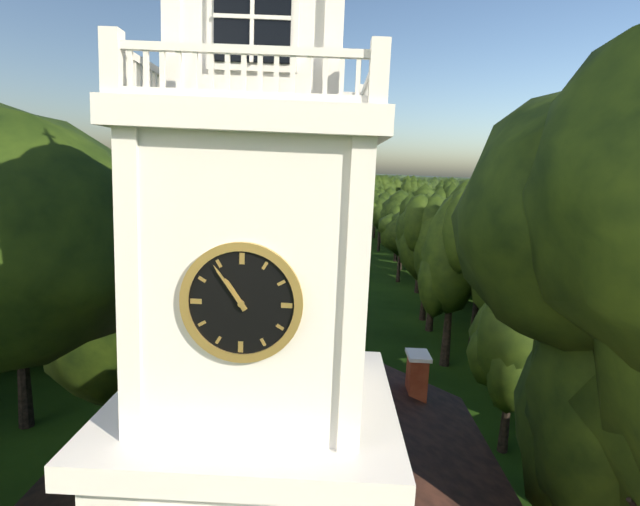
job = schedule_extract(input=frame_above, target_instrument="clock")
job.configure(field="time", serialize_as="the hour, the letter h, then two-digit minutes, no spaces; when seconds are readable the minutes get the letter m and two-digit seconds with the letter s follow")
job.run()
10h54
